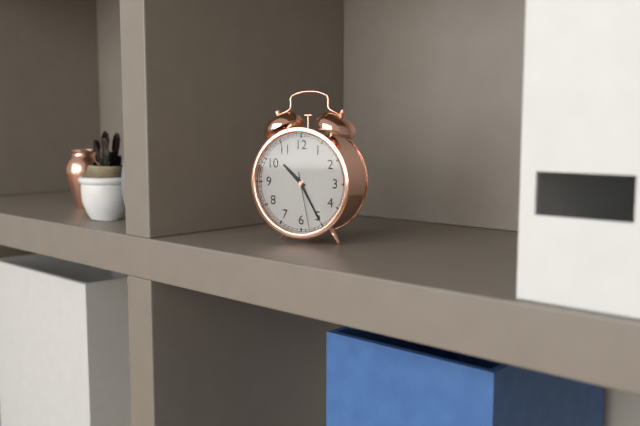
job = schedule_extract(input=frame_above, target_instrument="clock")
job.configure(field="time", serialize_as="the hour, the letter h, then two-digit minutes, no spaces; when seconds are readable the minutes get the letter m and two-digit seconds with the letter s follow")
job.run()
10h25m28s
